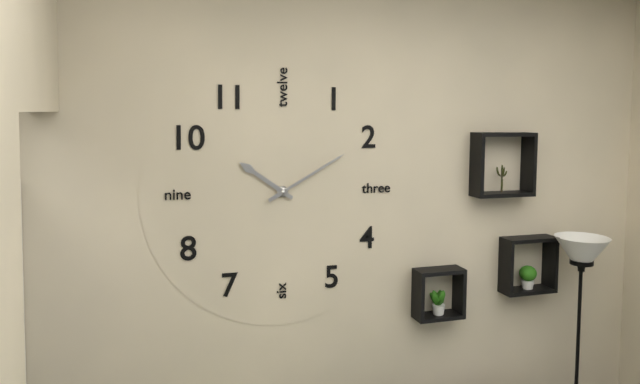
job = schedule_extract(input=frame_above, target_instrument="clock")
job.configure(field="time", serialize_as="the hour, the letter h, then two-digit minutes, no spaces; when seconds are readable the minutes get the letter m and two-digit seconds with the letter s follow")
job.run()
10h10
